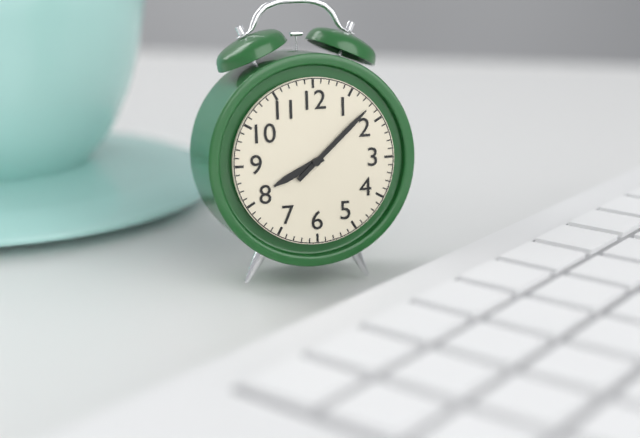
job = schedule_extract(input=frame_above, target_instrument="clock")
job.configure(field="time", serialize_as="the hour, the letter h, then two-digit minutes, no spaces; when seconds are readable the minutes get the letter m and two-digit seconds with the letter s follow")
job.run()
8h08
